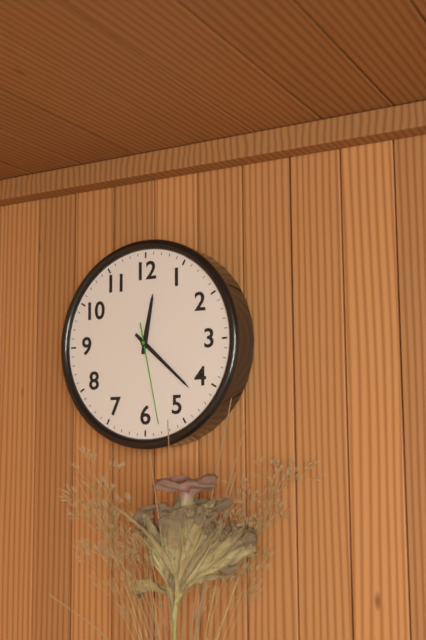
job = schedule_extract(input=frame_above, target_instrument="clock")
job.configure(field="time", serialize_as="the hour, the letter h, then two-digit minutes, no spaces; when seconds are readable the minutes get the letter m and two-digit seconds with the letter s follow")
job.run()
12h22m28s
